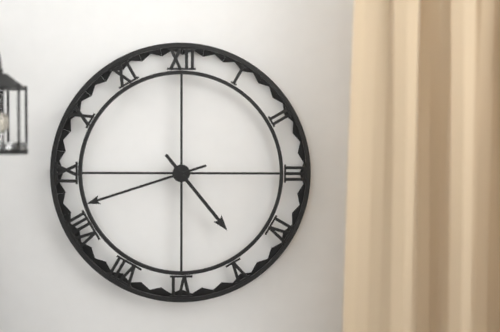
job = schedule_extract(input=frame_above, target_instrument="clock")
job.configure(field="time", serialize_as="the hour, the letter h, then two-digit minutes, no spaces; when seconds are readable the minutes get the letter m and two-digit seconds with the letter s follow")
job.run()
4h42
